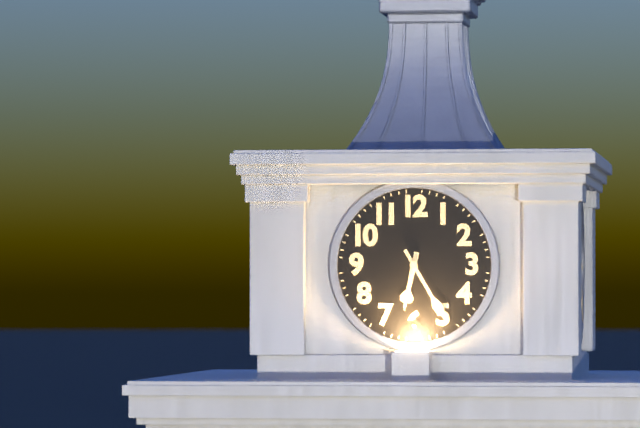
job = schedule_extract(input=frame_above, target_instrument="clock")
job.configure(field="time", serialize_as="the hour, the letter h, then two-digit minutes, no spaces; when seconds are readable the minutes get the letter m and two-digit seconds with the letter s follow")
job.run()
6h25
